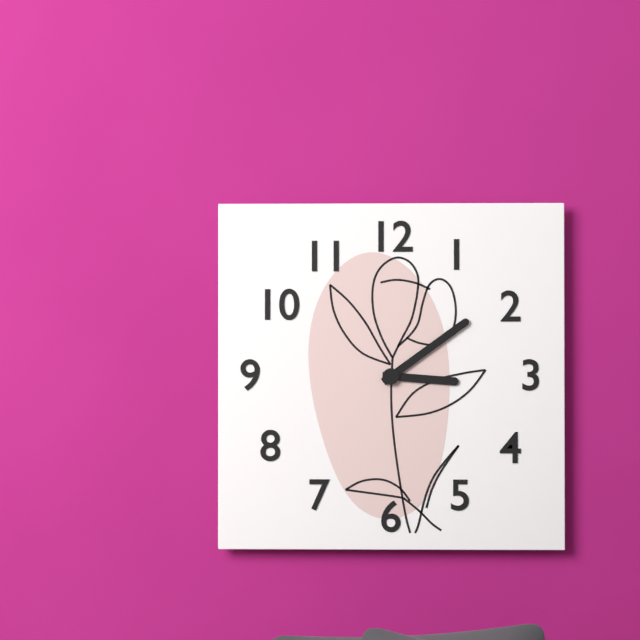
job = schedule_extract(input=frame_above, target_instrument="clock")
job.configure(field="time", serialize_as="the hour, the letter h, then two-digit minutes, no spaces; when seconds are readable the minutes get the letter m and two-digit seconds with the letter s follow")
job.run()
3h09
